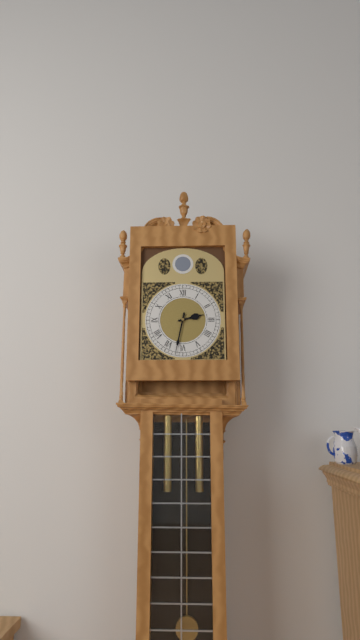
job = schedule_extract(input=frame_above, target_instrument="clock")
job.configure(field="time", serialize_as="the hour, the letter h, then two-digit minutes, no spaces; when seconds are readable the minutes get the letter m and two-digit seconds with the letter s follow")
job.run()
2h32
